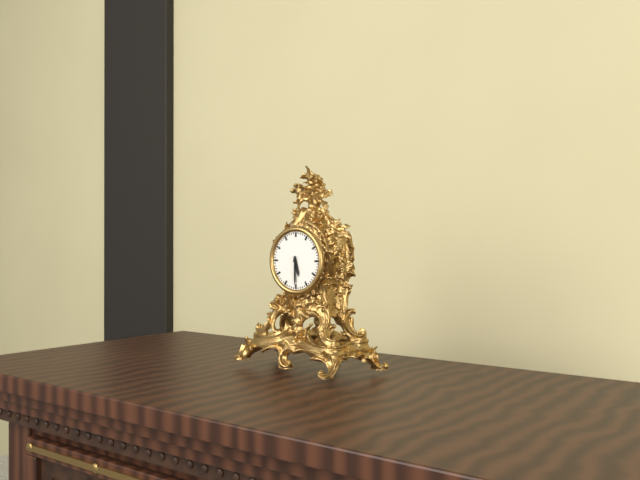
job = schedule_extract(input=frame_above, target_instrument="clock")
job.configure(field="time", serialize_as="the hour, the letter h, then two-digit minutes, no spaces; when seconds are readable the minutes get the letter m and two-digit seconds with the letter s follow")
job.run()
5h30
